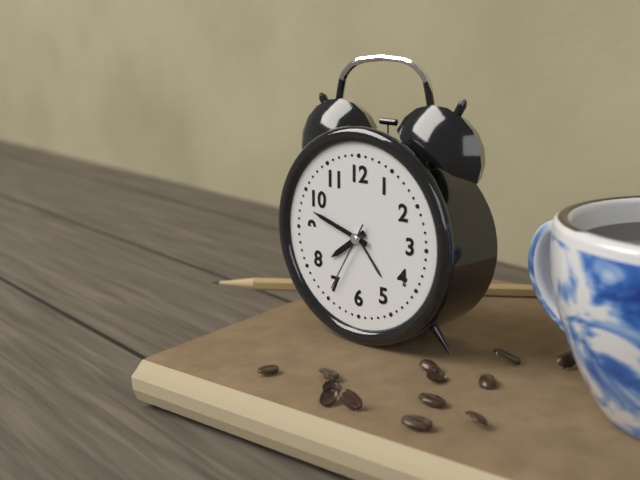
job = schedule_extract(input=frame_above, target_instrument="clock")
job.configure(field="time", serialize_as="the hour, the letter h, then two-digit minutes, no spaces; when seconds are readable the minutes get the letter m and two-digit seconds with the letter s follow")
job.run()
7h48m35s
